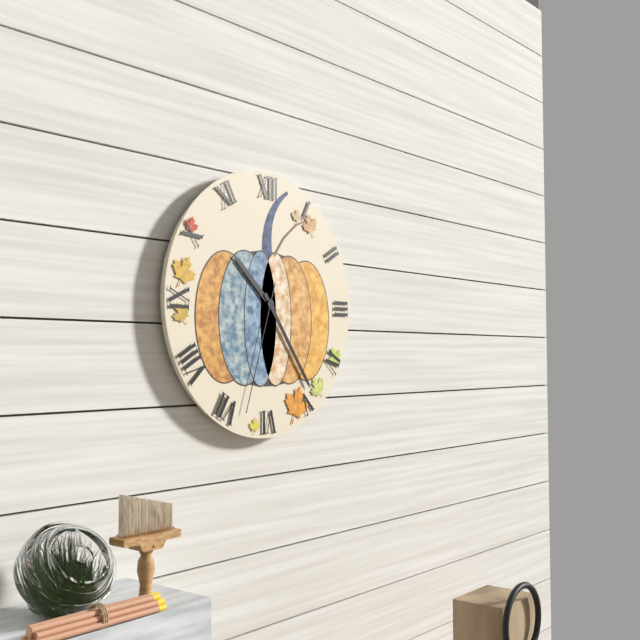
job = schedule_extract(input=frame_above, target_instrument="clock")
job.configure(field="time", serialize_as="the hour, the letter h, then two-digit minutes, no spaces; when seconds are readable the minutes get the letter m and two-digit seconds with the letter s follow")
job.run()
10h24m33s
